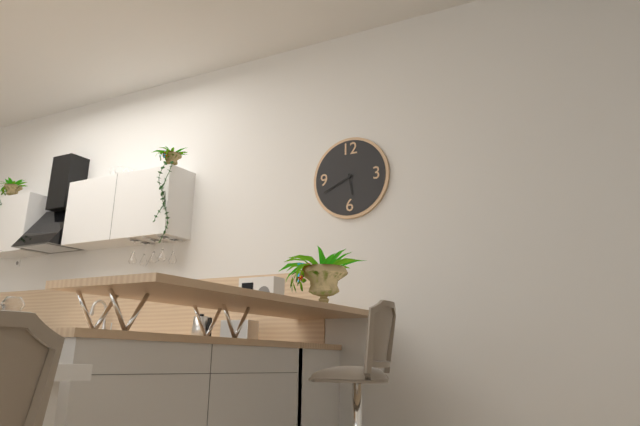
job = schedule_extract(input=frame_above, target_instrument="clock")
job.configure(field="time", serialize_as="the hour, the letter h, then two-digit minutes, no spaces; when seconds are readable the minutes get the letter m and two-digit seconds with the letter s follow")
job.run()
5h41
